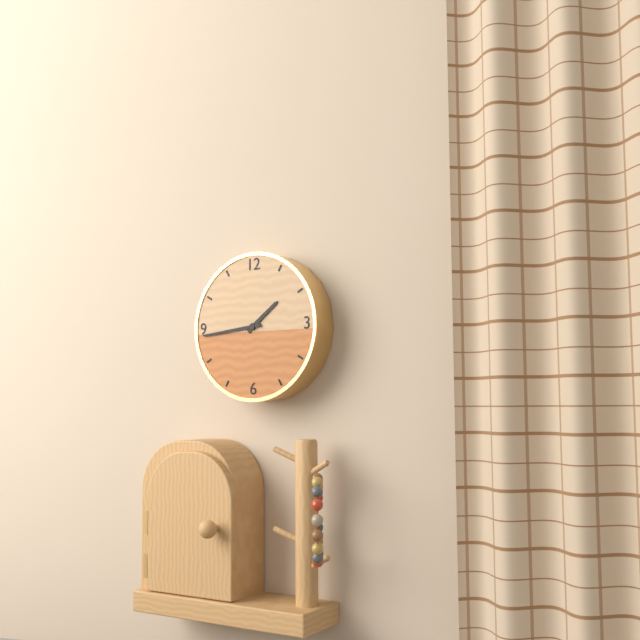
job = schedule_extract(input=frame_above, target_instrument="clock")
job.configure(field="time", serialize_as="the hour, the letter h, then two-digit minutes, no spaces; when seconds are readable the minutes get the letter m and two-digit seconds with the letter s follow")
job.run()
1h44
